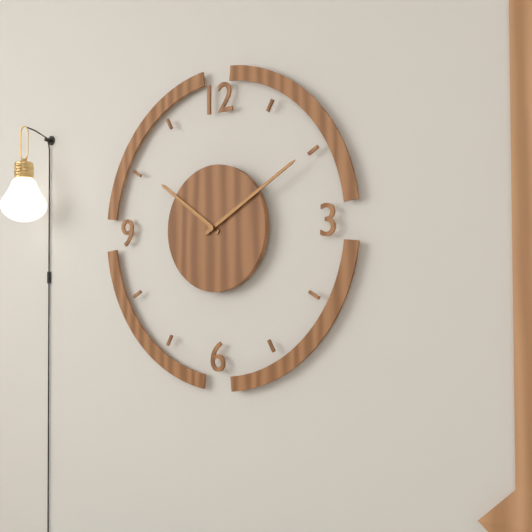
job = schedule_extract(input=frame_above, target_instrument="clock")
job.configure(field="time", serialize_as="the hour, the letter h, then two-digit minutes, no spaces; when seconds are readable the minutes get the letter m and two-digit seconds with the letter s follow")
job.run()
10h10
